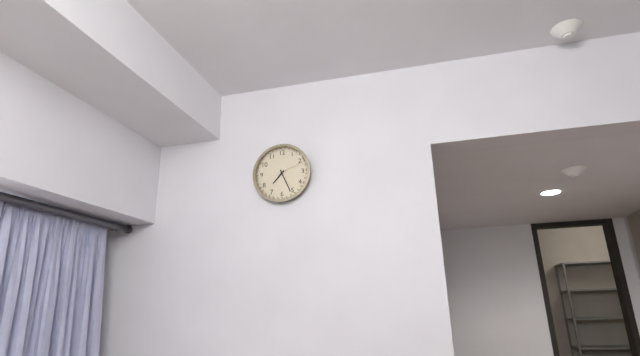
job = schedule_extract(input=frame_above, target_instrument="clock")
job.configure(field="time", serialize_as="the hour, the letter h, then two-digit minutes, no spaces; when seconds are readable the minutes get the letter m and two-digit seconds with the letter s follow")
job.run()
7h26
